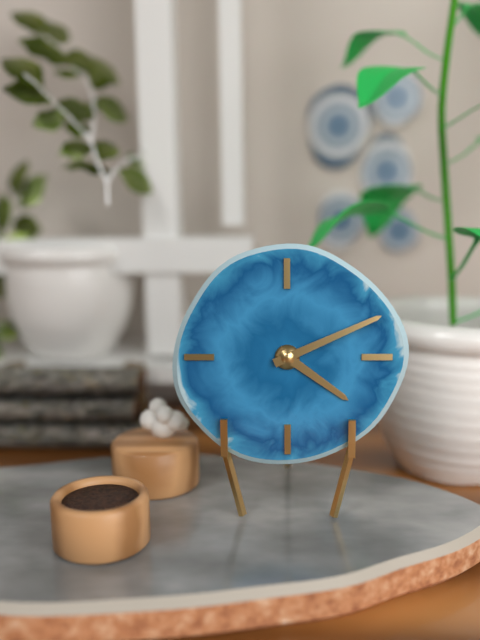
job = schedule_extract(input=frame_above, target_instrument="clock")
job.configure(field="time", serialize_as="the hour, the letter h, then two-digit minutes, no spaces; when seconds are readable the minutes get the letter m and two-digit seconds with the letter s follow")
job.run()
4h11
